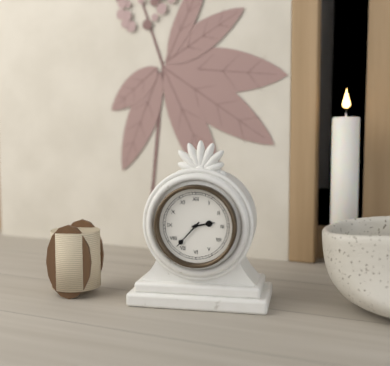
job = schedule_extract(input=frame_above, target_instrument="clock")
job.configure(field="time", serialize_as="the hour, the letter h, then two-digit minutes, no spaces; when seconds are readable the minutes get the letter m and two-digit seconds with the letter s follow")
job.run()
2h37
